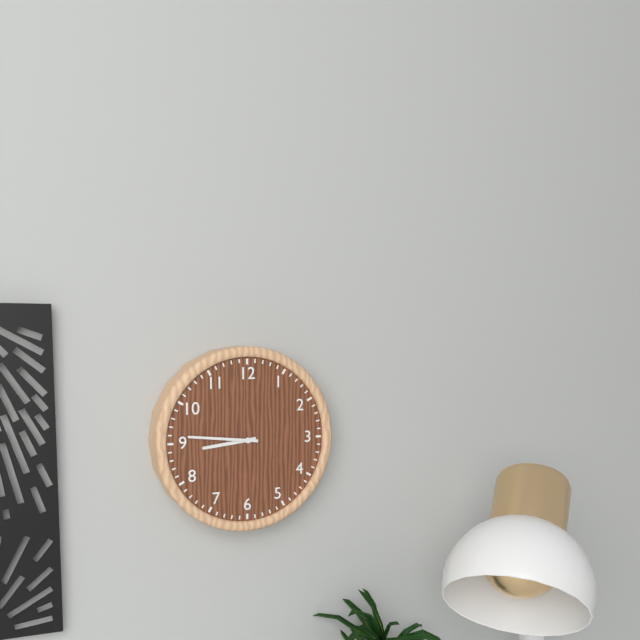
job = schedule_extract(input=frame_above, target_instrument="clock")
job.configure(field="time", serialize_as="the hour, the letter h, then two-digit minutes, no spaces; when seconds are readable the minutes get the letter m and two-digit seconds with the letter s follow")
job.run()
8h46
